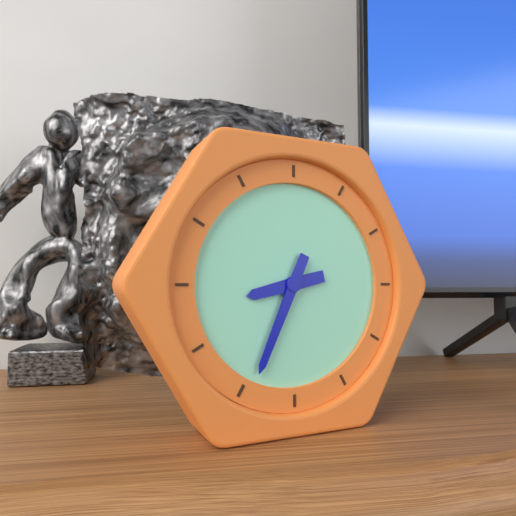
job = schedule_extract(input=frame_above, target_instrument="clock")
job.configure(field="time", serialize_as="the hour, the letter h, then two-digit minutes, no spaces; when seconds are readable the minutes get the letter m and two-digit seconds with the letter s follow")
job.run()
8h34
